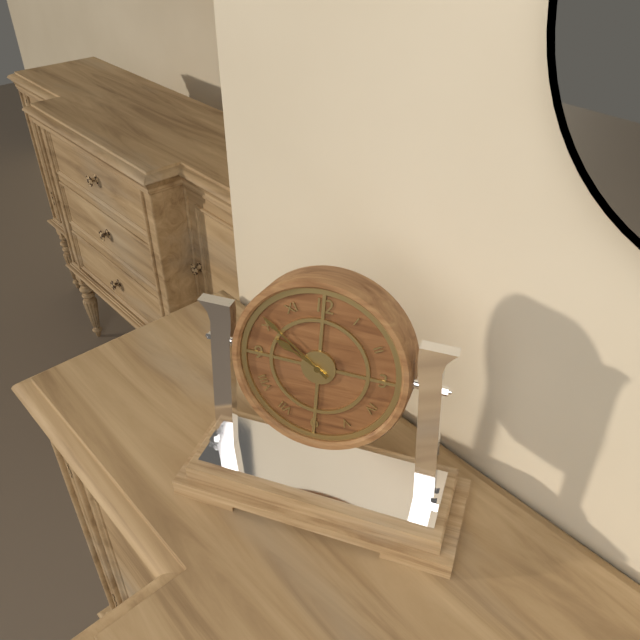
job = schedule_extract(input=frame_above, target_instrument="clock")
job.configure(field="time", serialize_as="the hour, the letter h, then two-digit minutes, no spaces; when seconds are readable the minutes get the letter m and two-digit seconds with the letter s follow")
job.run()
9h51
